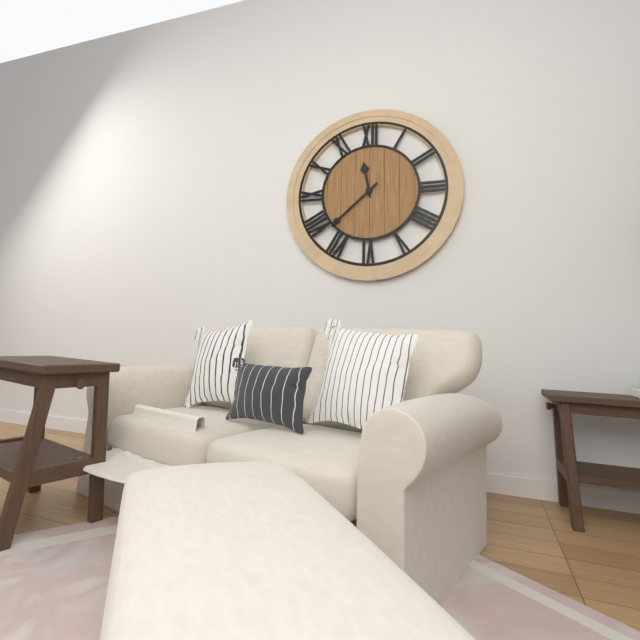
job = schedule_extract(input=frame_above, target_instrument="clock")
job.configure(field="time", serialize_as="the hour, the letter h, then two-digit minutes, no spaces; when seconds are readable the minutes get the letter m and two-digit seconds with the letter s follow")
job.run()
11h38
